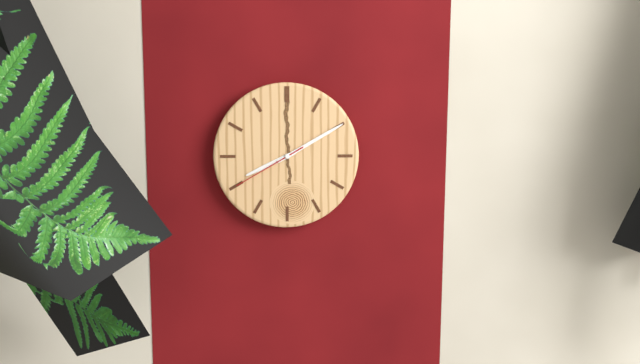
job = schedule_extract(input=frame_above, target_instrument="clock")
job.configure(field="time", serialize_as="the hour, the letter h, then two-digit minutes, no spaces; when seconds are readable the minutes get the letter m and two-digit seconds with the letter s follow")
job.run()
8h10m40s
